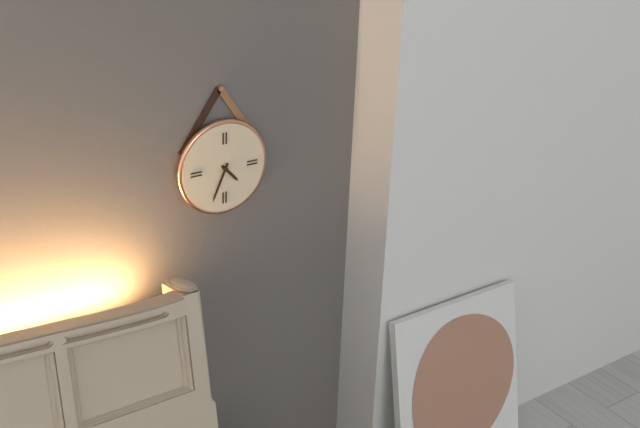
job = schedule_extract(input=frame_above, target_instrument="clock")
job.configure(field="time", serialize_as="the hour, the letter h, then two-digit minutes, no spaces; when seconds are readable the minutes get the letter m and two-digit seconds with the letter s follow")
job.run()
4h34
